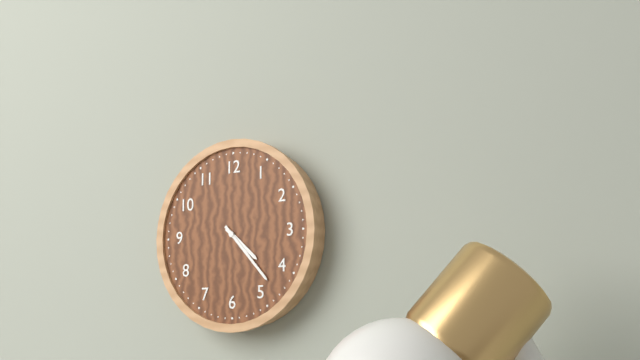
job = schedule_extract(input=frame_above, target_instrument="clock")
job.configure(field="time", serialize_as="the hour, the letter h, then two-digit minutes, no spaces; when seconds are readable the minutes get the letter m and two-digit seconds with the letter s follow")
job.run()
4h23
